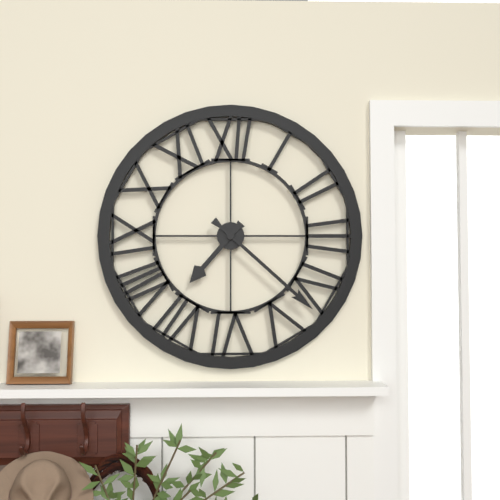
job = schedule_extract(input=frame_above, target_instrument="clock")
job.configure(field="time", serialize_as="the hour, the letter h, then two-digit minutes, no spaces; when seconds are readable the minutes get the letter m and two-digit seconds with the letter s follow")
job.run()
7h22
